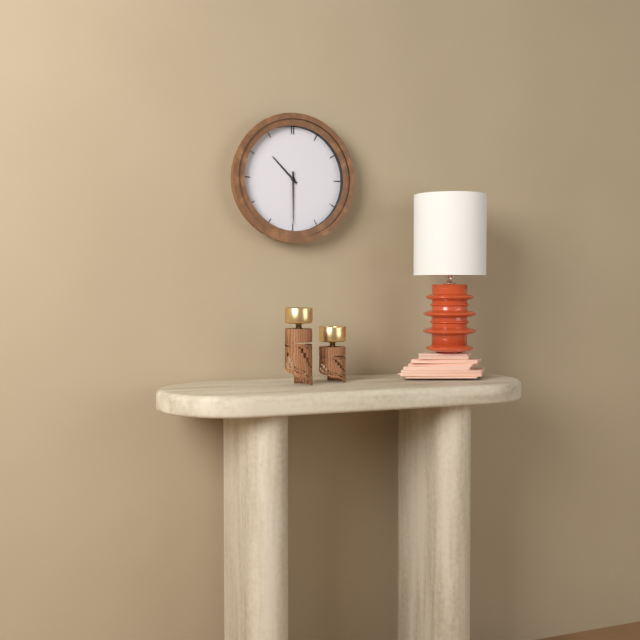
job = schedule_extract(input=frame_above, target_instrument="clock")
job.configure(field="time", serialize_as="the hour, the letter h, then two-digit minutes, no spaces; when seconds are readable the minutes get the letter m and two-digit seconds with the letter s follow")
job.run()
10h30
